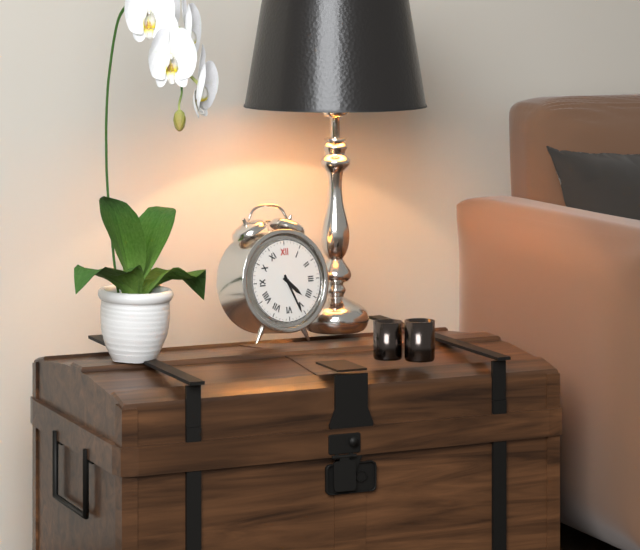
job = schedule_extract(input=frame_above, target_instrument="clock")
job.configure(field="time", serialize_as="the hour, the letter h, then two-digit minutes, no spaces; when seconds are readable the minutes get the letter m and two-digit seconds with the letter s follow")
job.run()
4h26
